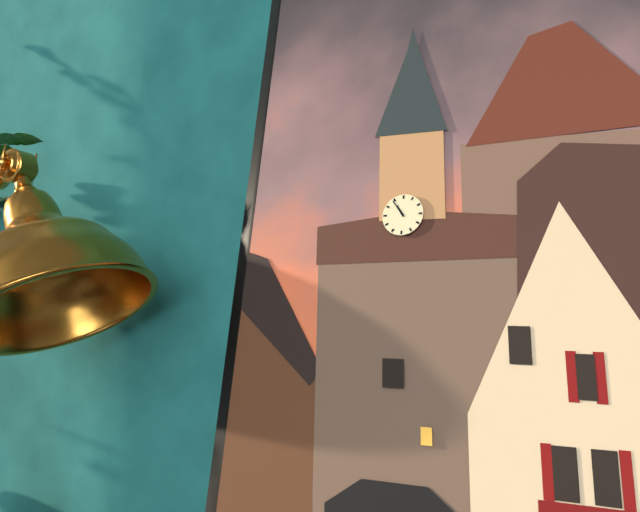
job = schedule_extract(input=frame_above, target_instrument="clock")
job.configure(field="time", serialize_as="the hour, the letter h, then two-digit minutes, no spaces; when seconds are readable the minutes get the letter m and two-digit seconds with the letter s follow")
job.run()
10h54
